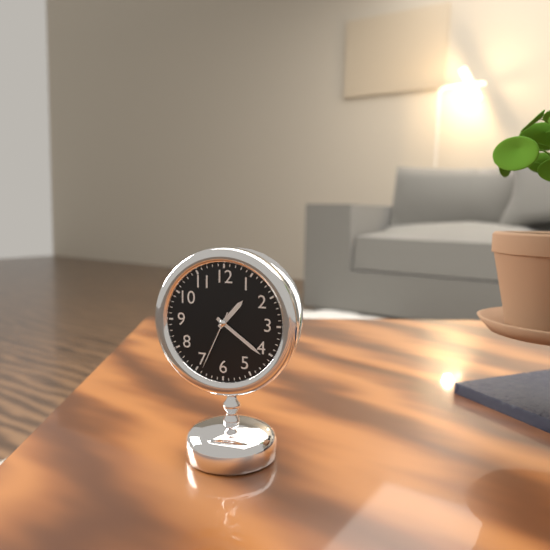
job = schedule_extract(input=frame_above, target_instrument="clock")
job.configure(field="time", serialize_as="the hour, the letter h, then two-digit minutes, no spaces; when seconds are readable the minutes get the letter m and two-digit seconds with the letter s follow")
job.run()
1h21m34s
